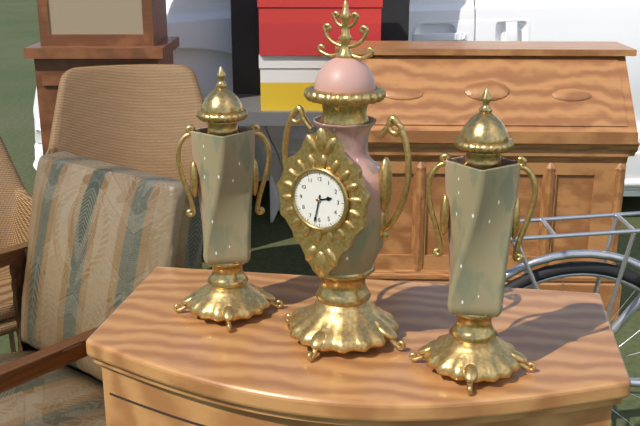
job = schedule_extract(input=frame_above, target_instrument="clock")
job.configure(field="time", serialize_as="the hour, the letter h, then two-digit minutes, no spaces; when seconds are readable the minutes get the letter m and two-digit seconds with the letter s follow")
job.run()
2h32
